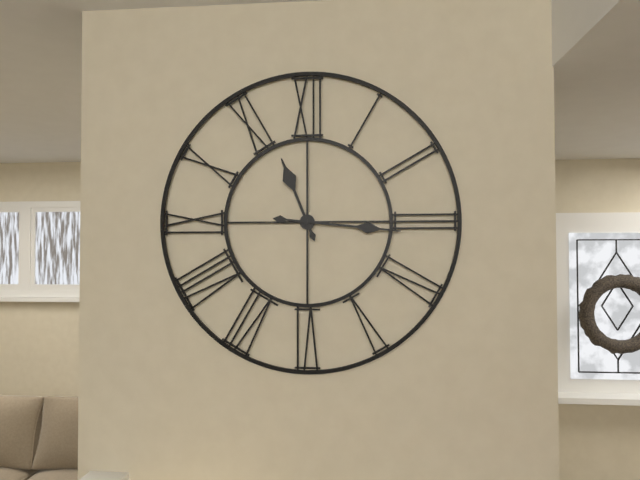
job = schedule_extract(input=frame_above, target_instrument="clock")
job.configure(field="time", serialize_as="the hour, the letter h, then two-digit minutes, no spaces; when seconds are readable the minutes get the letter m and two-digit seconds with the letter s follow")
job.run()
11h16
